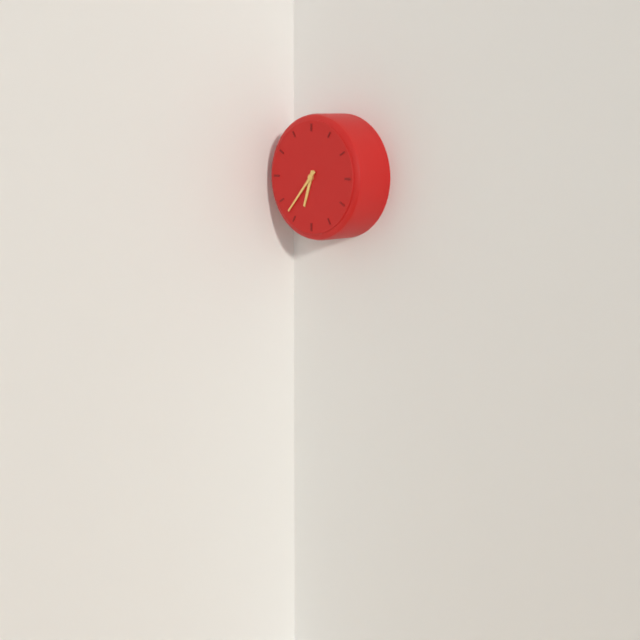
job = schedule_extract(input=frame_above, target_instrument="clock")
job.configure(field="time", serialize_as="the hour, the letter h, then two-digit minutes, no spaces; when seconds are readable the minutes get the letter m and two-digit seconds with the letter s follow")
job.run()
6h37
